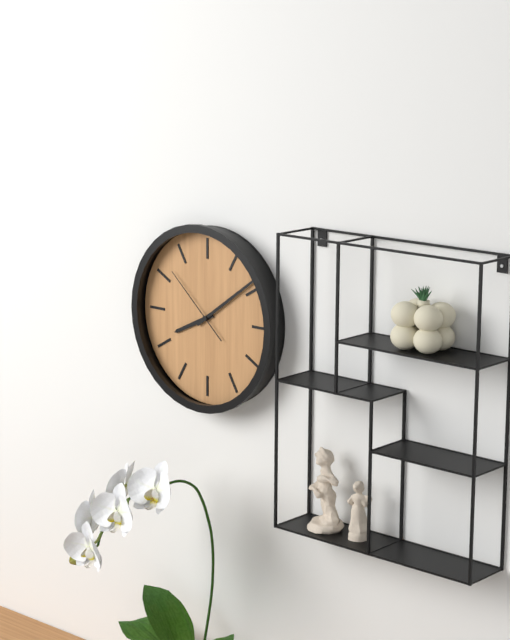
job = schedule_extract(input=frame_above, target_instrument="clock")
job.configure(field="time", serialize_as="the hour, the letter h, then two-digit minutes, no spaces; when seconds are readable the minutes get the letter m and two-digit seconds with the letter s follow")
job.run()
8h09m52s
